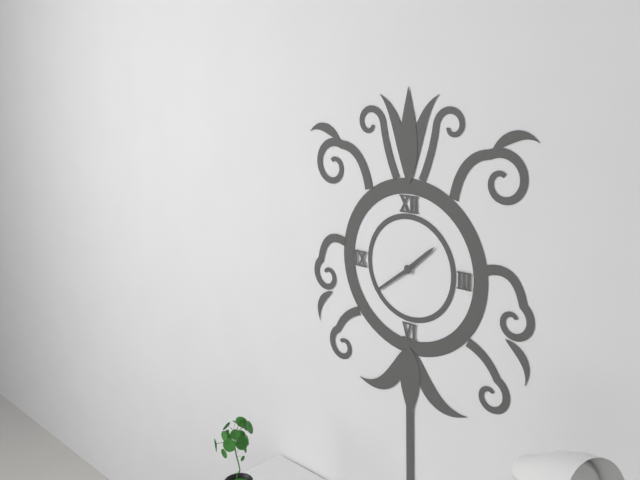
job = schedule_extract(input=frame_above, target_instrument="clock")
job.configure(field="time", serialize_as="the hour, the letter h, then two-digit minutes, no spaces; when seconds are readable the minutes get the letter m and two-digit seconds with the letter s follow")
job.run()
1h39
